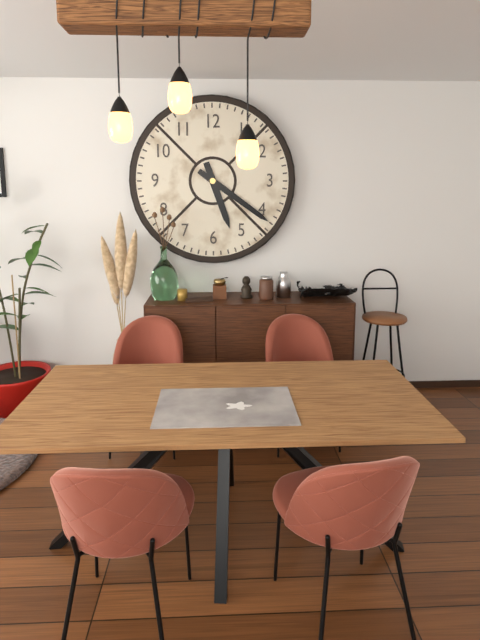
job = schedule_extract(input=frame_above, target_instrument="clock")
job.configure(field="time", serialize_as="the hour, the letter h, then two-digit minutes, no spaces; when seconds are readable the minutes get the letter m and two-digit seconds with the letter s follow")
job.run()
5h21
